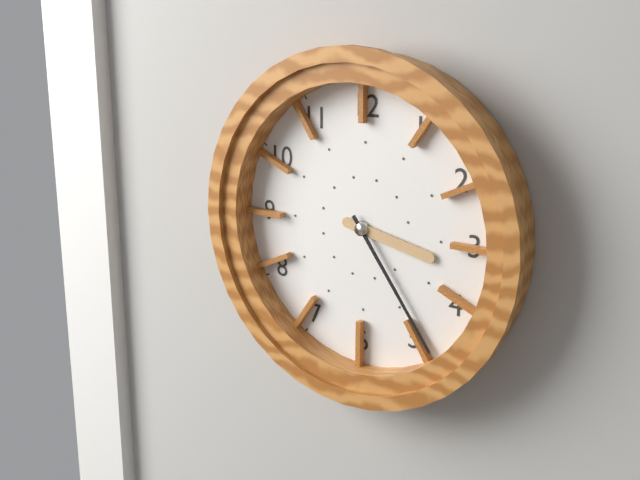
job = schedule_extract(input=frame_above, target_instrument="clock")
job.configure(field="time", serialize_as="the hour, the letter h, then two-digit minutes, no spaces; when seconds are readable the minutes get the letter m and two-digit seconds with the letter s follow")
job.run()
3h24
